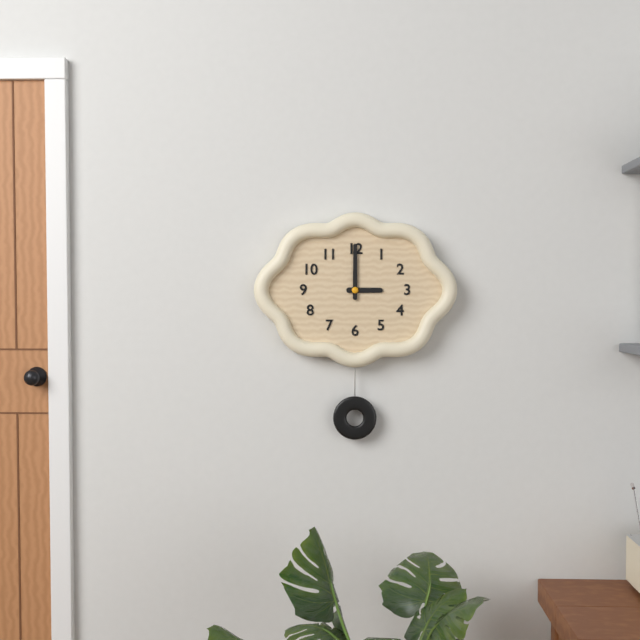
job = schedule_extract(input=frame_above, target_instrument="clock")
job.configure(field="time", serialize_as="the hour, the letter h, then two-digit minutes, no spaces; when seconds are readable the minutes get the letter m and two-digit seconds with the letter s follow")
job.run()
3h00
